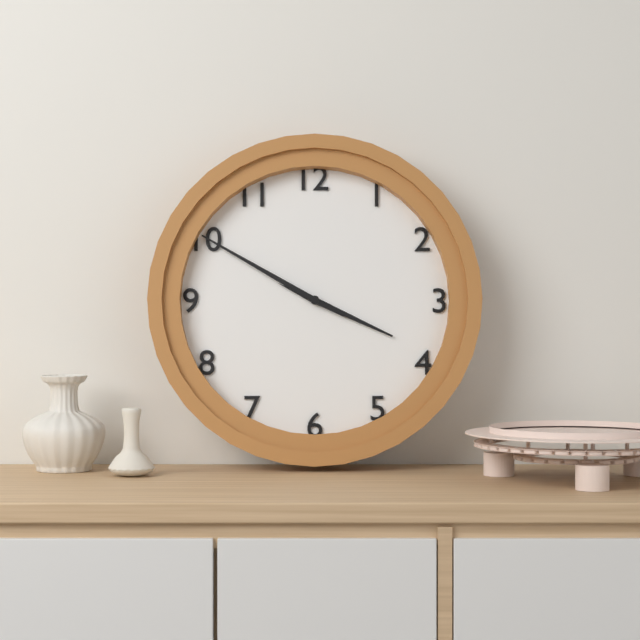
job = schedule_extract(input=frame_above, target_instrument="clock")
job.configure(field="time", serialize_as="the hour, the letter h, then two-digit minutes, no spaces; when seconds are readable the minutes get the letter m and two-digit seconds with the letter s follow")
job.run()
3h50
